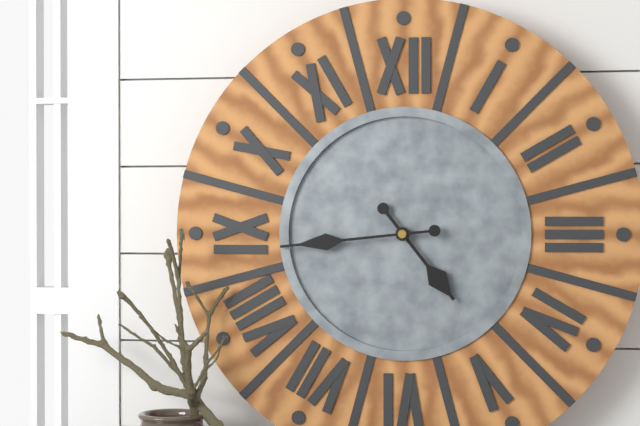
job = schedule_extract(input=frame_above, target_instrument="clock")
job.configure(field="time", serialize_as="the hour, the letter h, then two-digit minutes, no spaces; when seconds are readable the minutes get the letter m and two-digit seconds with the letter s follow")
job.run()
4h44
